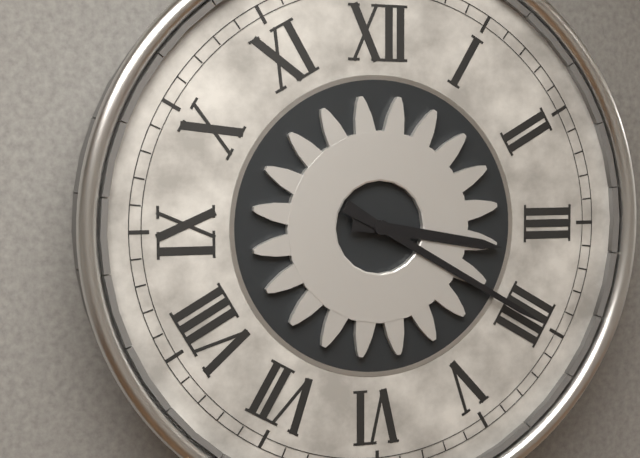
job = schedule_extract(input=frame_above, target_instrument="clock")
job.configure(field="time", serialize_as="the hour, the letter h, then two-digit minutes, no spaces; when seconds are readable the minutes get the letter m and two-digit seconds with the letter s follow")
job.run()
3h20
